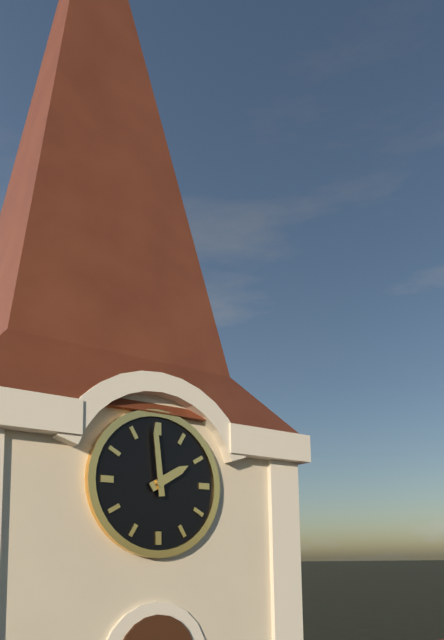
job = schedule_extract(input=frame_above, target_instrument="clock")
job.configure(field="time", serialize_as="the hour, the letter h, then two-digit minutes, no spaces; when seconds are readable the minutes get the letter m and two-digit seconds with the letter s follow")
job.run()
1h59
